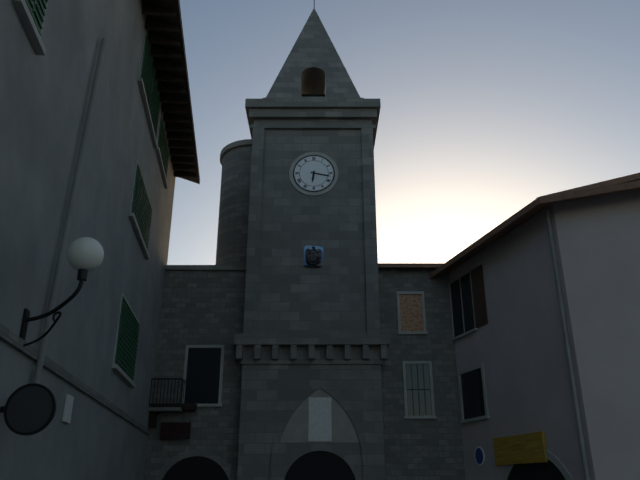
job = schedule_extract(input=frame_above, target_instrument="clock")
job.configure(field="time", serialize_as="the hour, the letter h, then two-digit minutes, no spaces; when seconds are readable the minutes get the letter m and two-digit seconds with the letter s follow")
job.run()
6h17
